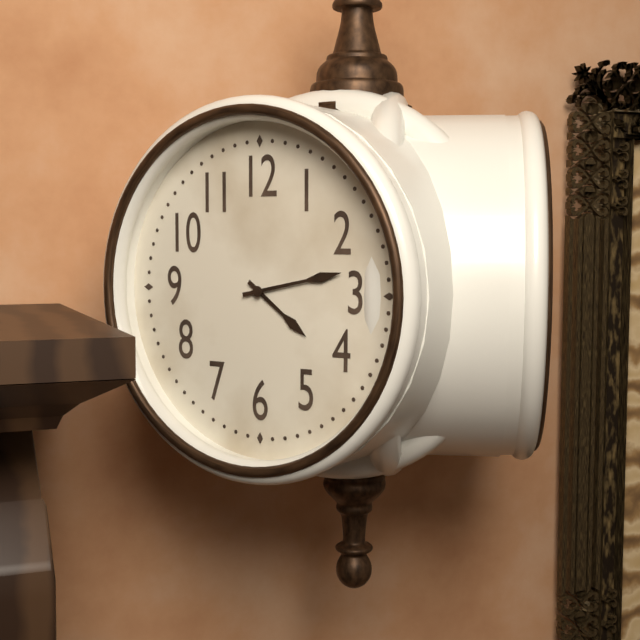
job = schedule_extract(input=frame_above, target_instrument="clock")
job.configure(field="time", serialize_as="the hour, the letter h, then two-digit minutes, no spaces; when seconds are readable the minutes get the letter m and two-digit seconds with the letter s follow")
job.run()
4h13
